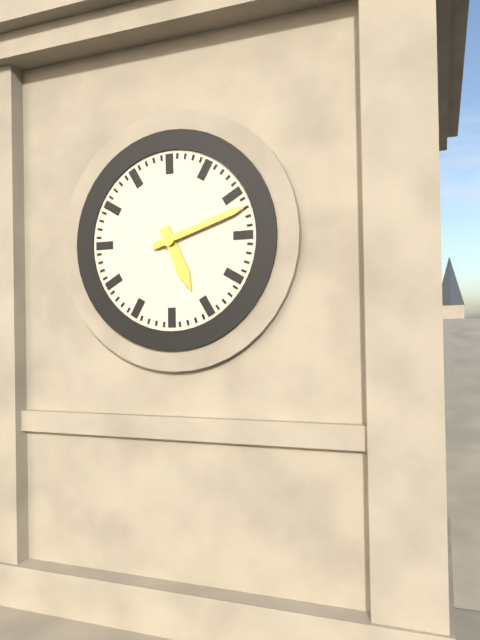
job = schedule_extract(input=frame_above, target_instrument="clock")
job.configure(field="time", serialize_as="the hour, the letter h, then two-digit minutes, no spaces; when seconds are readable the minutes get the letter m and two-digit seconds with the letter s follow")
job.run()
5h12
